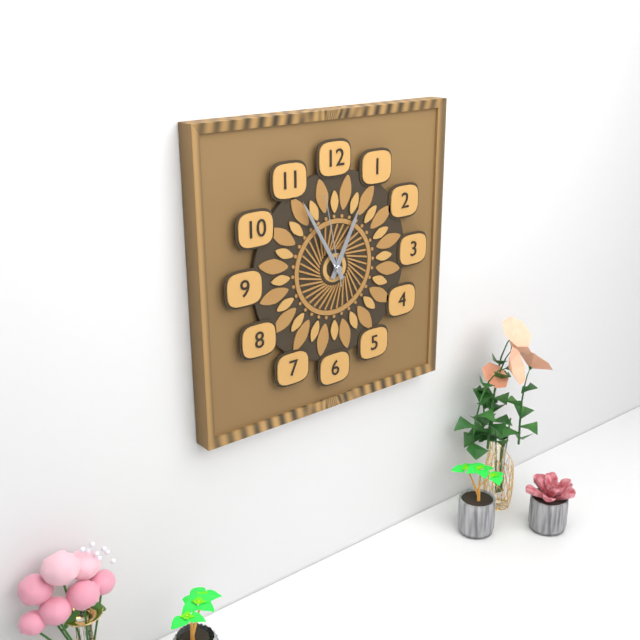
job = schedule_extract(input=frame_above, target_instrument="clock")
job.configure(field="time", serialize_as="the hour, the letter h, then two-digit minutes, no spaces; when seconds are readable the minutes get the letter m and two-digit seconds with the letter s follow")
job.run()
12h55m58s
